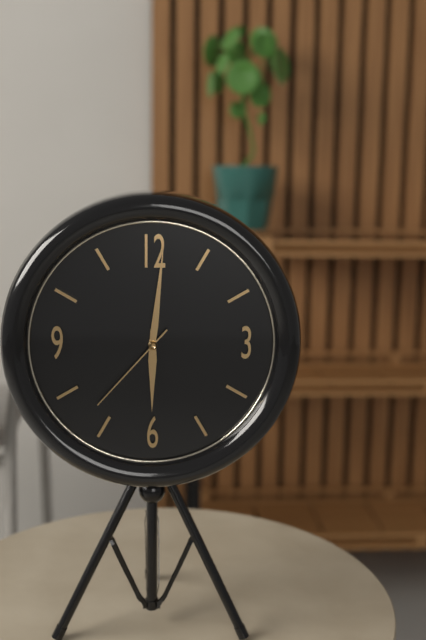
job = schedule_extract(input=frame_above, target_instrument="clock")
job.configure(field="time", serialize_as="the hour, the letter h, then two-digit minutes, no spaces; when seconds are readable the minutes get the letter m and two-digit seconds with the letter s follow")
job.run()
6h01m37s
